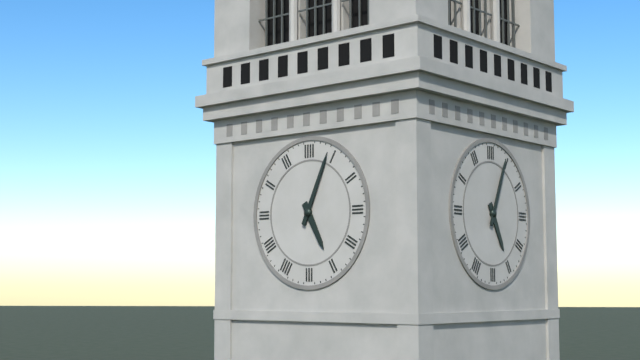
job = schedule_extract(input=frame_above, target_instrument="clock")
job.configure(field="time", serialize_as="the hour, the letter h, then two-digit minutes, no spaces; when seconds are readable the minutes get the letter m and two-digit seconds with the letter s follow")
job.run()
5h04
